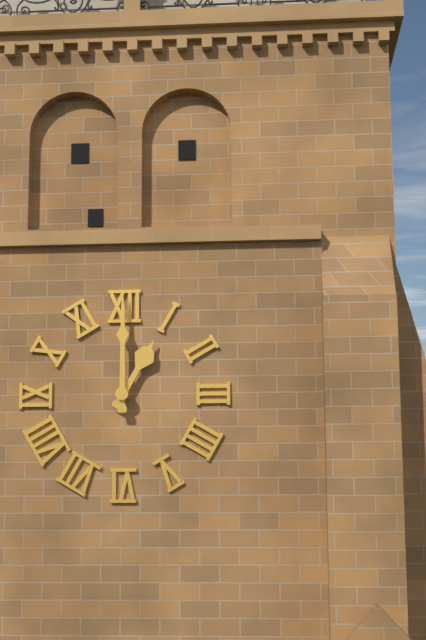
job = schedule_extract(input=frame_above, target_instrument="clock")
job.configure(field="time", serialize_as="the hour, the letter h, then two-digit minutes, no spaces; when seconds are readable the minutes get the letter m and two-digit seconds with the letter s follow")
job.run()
1h00
